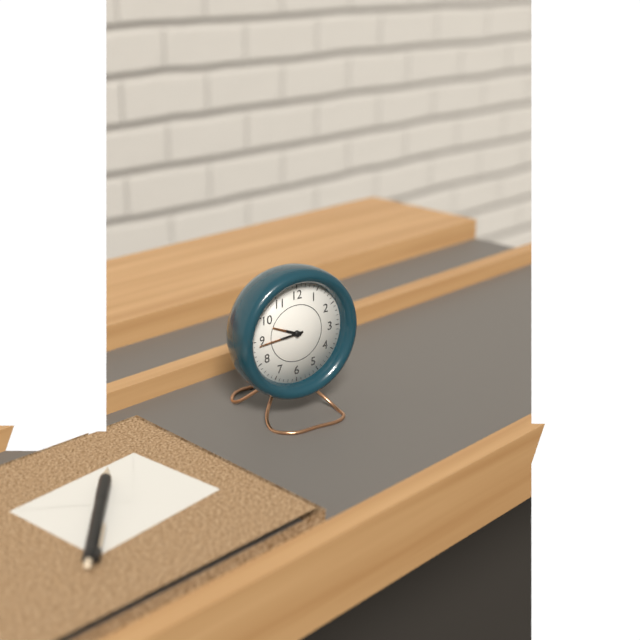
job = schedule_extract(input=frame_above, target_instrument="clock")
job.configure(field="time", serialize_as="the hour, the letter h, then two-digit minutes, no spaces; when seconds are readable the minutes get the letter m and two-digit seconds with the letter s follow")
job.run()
9h44
